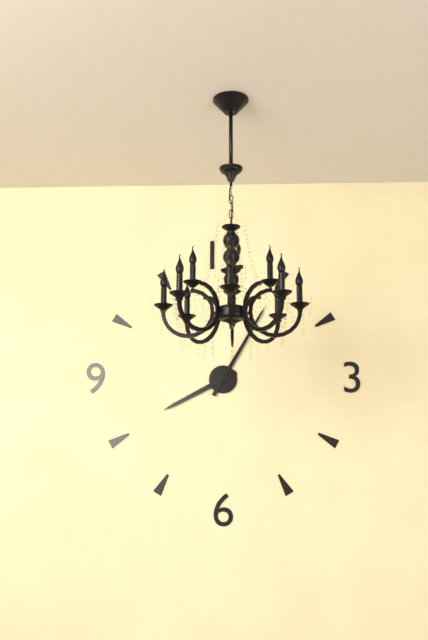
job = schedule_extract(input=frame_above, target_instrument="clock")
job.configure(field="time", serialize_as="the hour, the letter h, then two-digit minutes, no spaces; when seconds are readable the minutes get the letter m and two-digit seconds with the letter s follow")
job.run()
8h05
